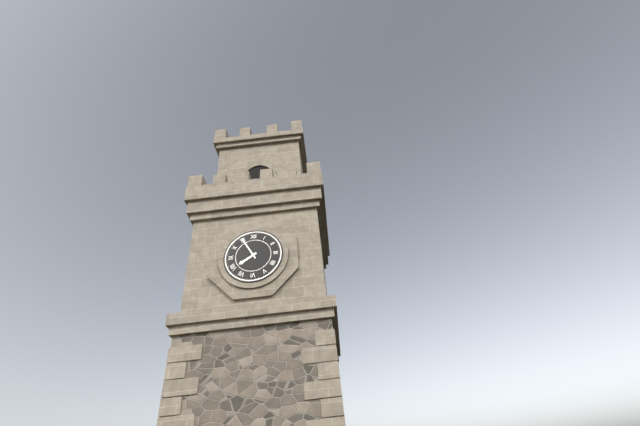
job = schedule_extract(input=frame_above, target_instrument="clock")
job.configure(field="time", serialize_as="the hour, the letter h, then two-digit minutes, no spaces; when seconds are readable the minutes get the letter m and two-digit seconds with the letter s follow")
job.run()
7h55
